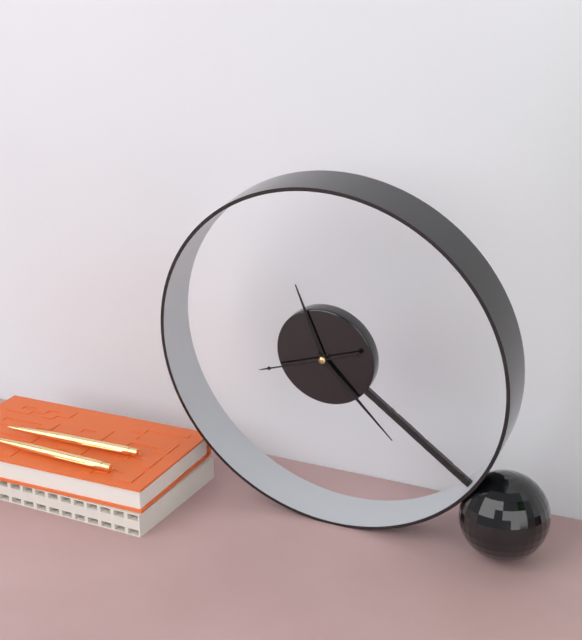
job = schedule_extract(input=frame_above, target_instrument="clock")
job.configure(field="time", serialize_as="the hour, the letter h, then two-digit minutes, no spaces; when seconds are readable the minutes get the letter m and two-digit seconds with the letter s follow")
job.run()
11h23m42s
